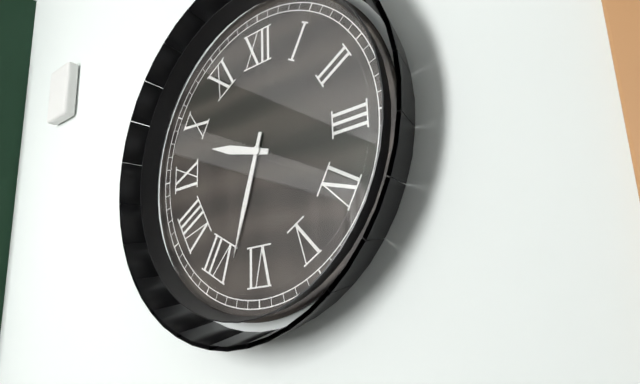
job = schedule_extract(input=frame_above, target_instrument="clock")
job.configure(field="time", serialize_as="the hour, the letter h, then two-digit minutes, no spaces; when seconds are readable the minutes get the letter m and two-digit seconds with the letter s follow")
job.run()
9h33
